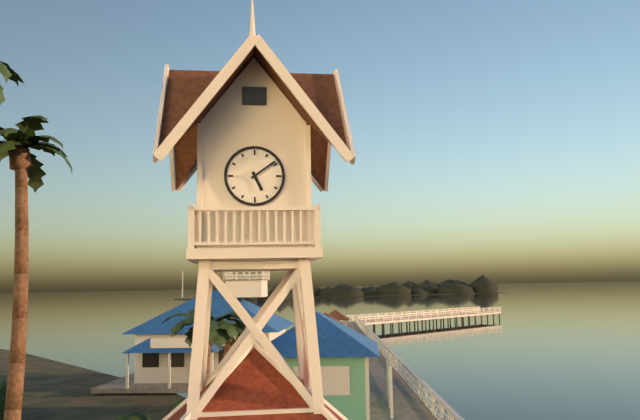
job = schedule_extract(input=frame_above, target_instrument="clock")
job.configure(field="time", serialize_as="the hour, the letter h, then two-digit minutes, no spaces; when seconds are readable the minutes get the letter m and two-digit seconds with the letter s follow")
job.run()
5h09
